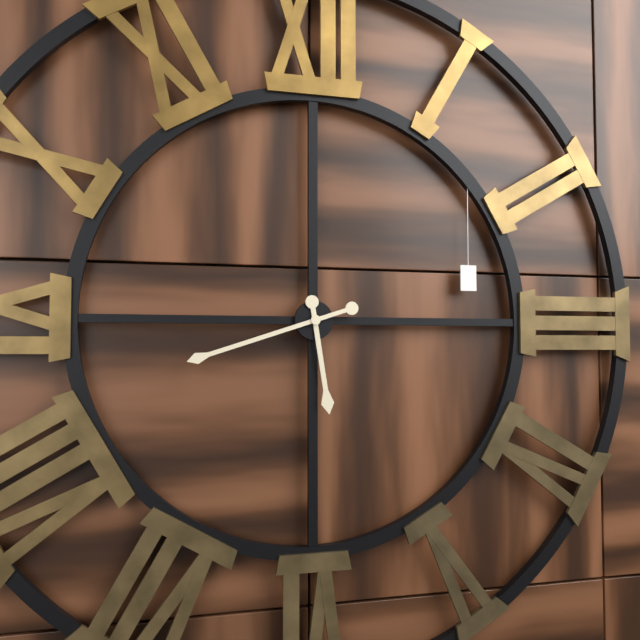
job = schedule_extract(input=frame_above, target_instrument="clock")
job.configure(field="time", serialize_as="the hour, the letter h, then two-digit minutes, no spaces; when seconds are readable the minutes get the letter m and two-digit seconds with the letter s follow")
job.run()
5h42
